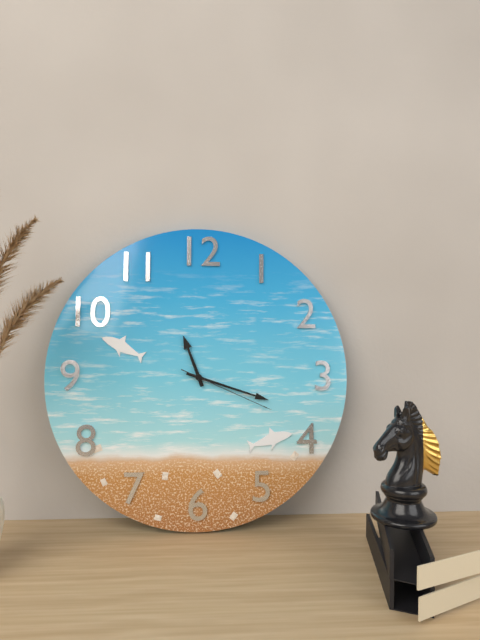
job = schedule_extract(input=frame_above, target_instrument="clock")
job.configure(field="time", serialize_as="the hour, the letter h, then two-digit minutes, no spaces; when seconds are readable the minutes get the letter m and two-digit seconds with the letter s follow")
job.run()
11h18m19s
